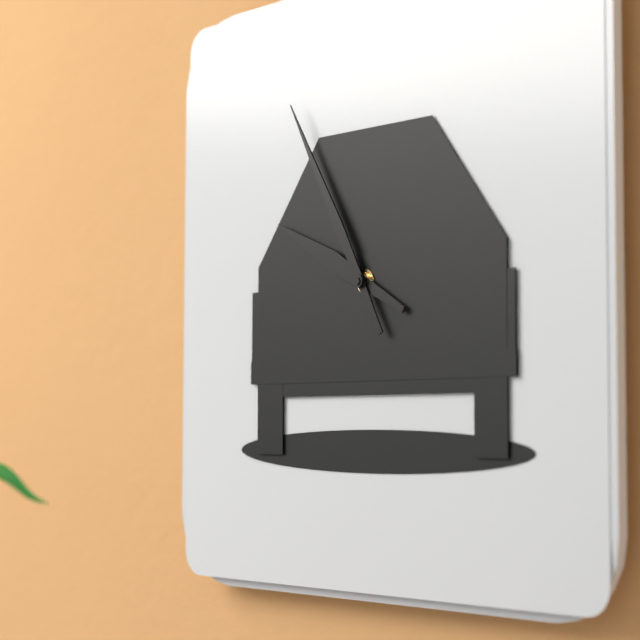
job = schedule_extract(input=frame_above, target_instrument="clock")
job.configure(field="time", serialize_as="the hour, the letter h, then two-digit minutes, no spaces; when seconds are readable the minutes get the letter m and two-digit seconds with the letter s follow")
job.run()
9h55
